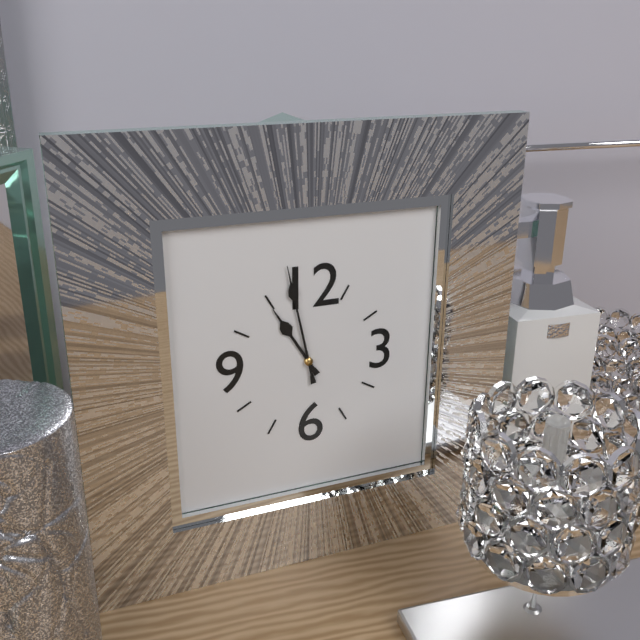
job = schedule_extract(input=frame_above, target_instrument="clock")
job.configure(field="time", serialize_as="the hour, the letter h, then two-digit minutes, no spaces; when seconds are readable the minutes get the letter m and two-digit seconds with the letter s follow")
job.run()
10h58
